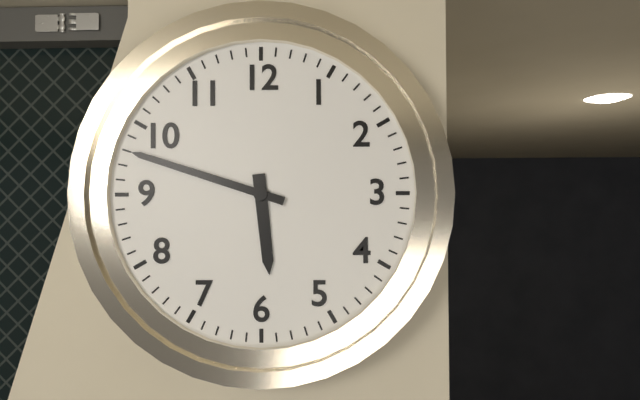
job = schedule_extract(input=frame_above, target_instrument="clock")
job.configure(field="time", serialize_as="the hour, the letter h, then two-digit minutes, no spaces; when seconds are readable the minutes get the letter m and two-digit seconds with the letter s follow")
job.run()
5h48
